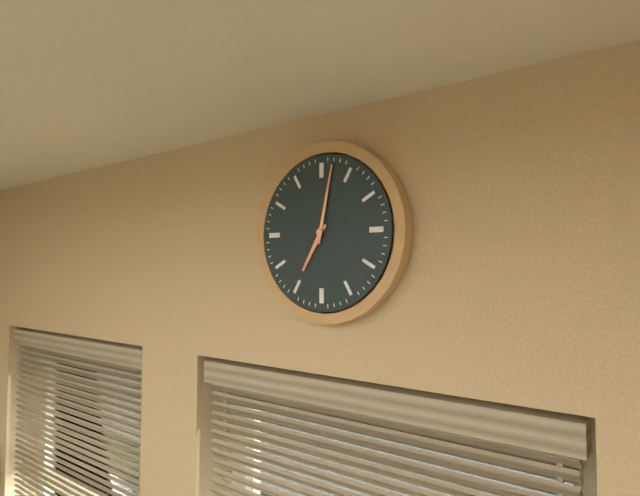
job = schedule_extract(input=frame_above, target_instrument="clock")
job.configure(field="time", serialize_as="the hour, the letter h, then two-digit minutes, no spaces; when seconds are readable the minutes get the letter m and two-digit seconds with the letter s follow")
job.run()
7h02
